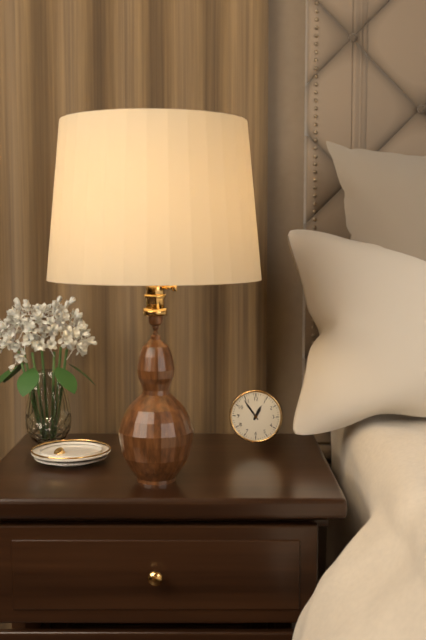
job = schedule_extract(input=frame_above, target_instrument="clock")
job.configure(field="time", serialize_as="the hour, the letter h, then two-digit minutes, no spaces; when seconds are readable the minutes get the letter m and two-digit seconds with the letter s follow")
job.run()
12h54
